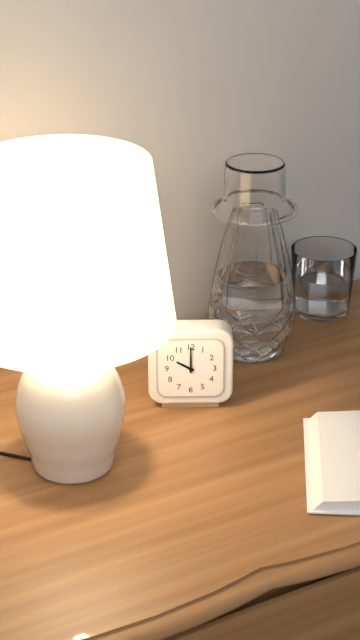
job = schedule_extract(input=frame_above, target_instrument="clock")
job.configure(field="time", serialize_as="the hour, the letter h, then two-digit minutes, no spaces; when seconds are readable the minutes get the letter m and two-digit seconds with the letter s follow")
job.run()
10h00
